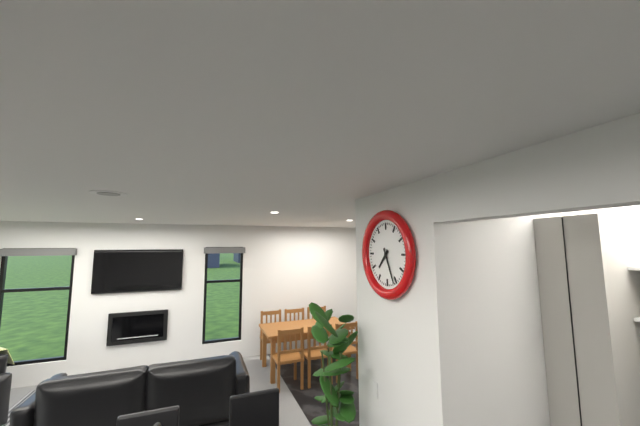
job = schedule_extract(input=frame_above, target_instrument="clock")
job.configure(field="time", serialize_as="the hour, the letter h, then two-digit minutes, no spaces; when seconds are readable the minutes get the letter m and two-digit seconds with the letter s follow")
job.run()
7h26
